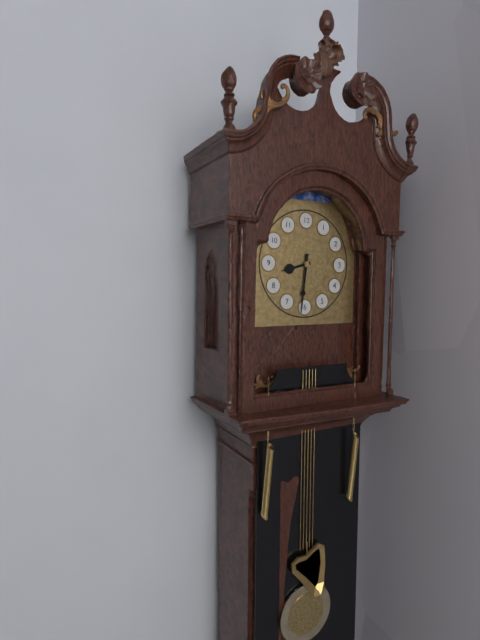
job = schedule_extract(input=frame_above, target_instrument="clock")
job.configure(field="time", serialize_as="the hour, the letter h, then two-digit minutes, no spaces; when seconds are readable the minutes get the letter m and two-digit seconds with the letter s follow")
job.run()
8h31
